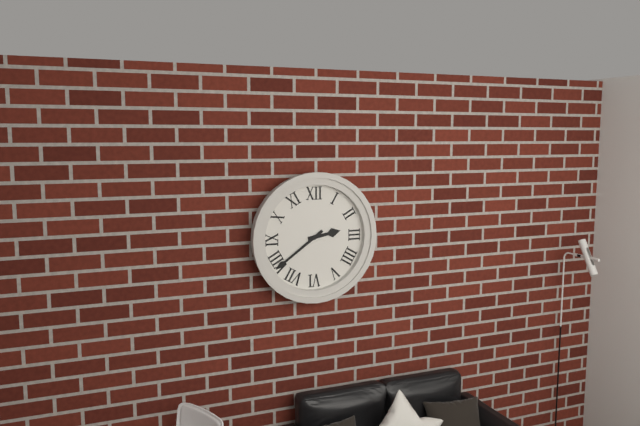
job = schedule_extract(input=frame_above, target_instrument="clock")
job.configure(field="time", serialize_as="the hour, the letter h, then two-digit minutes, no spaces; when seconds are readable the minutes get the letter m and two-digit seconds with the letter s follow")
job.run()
2h39
